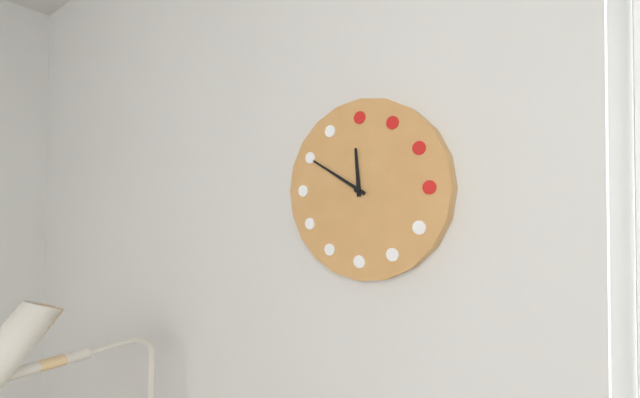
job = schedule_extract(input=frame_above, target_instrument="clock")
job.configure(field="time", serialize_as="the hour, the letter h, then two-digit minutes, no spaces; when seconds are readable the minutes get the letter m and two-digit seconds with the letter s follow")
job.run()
11h50
